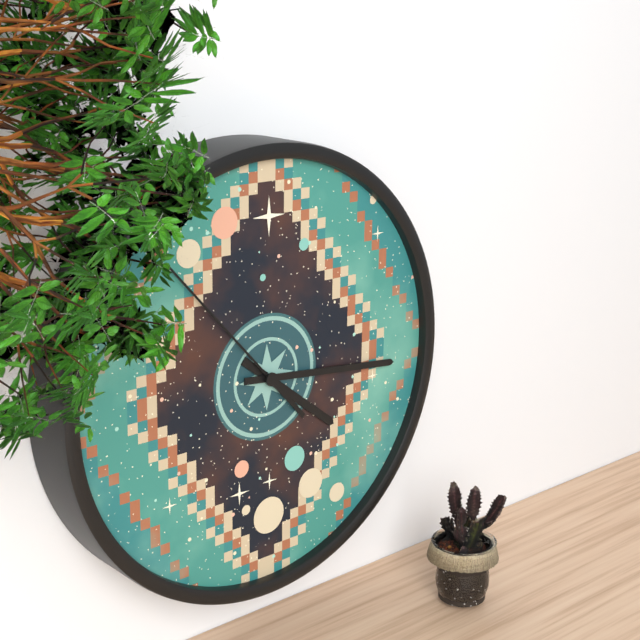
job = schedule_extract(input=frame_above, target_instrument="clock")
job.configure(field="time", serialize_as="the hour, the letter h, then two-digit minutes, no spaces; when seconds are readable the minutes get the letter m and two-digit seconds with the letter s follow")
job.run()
4h16m53s
